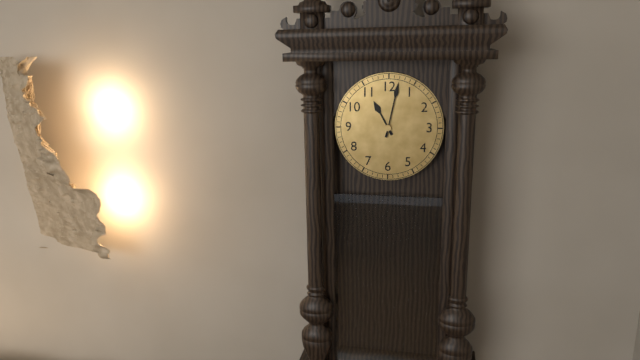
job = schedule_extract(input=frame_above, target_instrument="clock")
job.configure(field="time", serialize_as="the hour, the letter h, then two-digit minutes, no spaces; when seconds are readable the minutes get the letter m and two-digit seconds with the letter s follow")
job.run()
11h02
